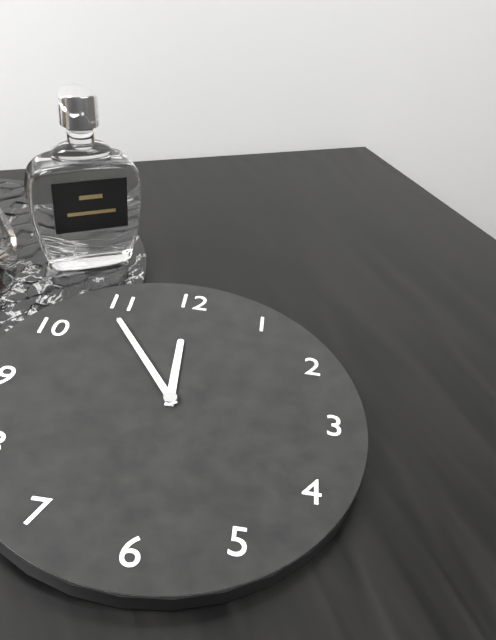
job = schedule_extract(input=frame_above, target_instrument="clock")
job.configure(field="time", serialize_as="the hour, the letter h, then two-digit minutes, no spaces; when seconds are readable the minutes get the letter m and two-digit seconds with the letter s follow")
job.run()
11h54
